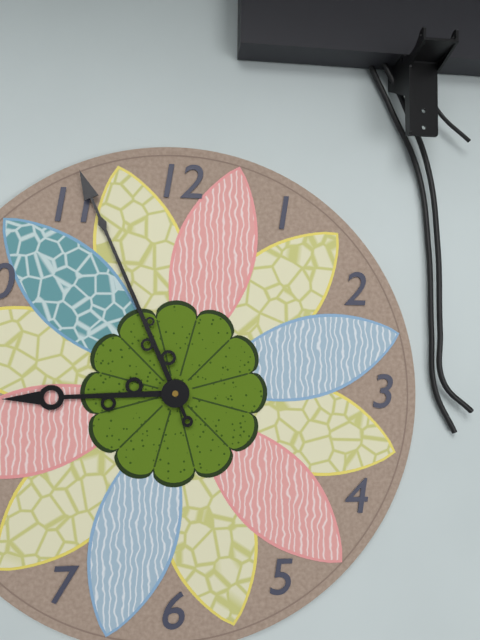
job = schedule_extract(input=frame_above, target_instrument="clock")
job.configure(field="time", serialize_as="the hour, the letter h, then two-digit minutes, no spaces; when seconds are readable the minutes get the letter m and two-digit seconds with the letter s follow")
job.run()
8h56
